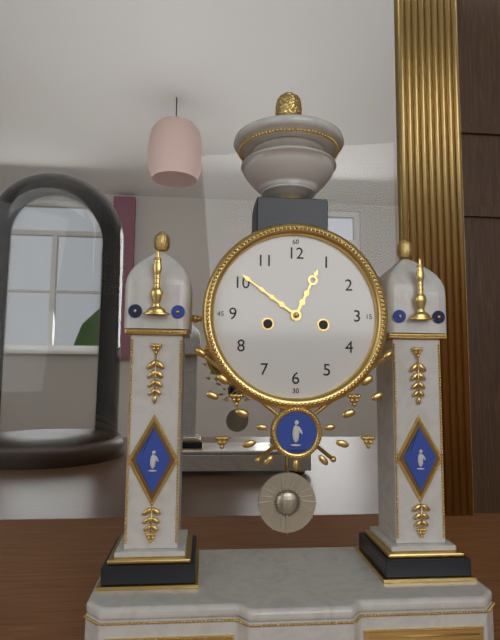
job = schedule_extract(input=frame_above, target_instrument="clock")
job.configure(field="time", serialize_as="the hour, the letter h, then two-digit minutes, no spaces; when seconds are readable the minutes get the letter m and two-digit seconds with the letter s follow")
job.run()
12h51
